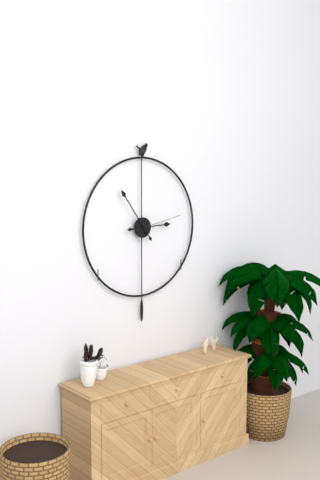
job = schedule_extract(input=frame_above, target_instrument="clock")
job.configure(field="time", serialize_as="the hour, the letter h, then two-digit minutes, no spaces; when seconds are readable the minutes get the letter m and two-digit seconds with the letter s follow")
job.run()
2h54
